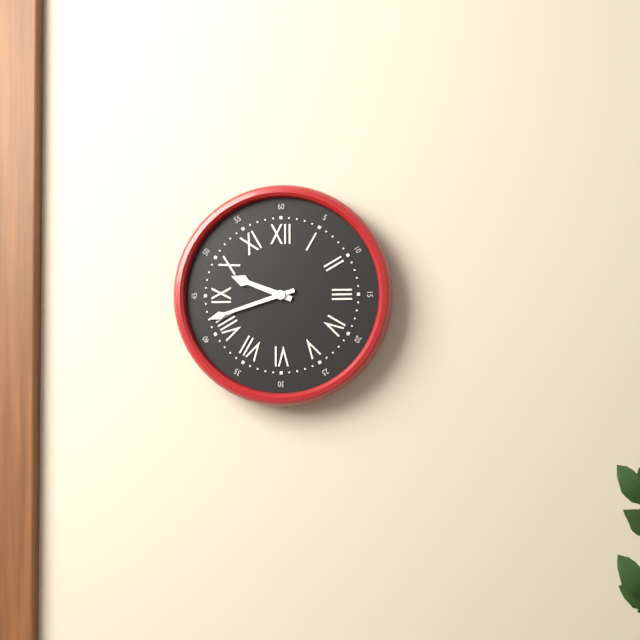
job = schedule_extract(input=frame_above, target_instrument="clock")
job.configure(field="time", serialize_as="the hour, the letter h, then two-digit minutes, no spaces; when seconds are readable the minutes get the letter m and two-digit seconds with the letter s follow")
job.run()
9h42
